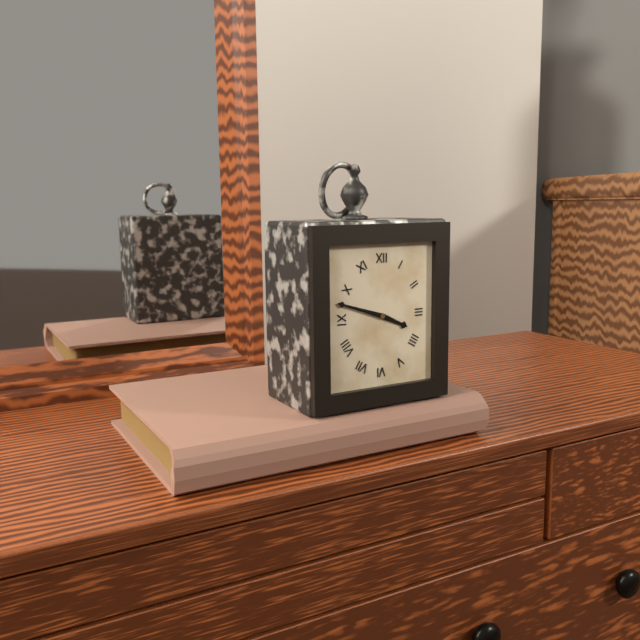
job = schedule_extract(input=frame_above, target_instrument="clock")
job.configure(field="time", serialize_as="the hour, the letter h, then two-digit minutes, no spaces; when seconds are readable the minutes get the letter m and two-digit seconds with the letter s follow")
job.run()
3h48
